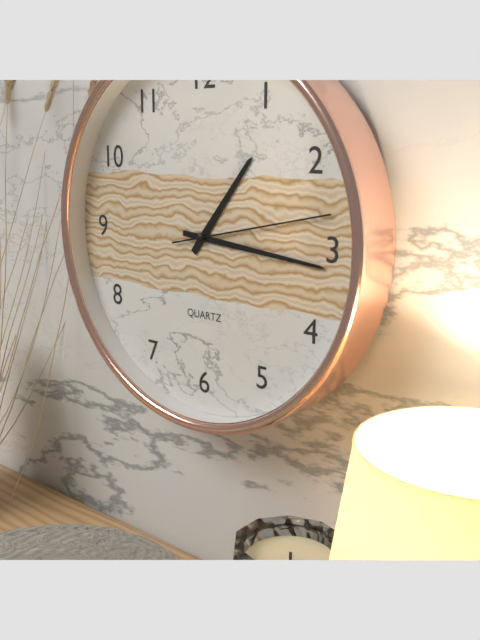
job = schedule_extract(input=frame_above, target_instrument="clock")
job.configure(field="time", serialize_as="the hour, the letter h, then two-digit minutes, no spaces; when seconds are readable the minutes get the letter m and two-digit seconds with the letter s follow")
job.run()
1h16m13s
